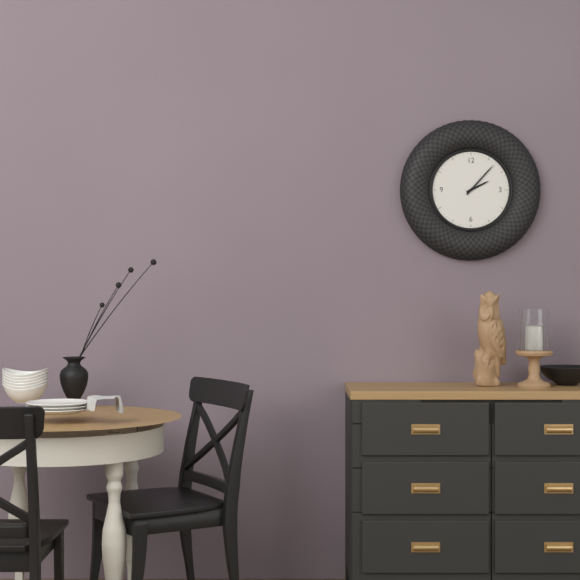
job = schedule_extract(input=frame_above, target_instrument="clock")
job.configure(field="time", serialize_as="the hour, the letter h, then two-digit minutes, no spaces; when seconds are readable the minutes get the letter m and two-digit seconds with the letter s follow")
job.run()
2h07
